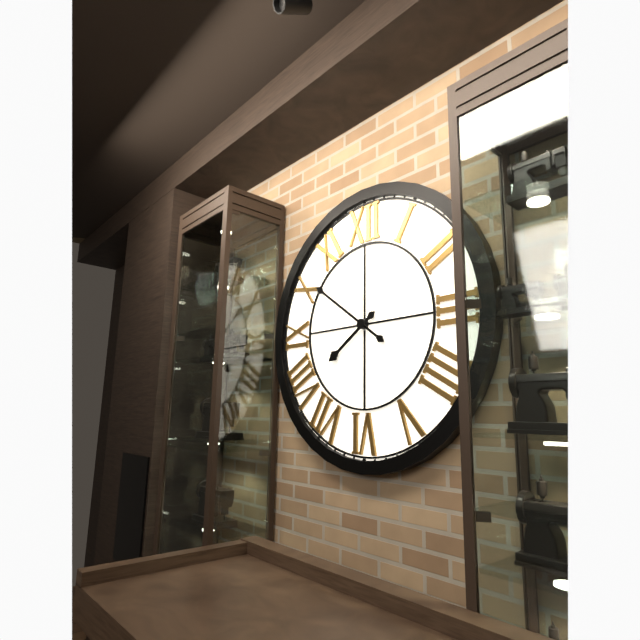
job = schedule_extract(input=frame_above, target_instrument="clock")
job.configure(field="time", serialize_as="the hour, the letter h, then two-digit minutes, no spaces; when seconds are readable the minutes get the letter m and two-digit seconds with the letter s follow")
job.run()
7h51
